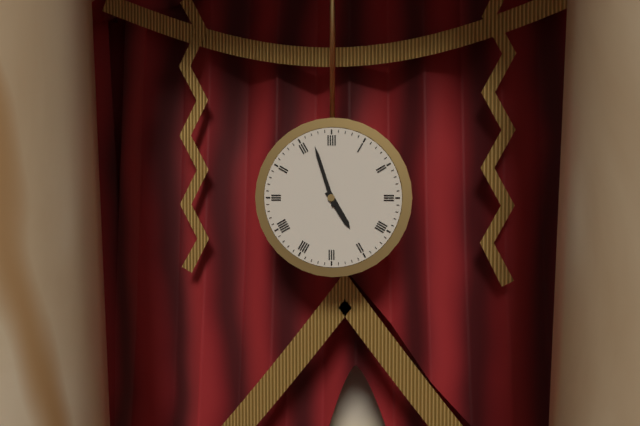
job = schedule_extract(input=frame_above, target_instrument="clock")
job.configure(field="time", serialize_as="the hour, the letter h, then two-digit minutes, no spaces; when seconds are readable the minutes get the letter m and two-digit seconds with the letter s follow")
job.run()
4h57
